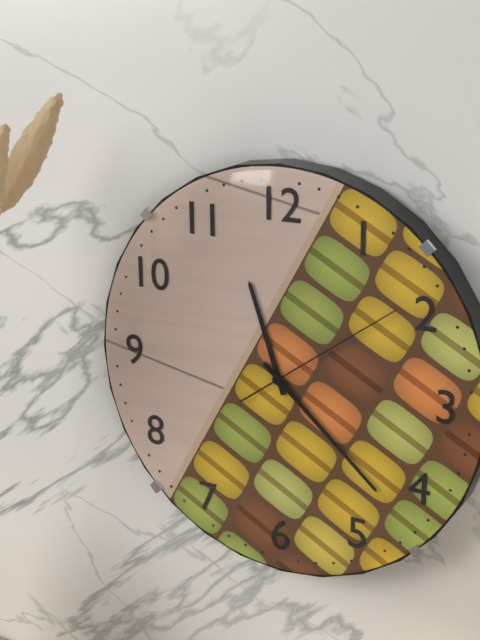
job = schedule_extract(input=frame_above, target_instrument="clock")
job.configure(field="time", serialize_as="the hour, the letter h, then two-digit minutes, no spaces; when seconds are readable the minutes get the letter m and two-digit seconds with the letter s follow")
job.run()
11h22m09s
